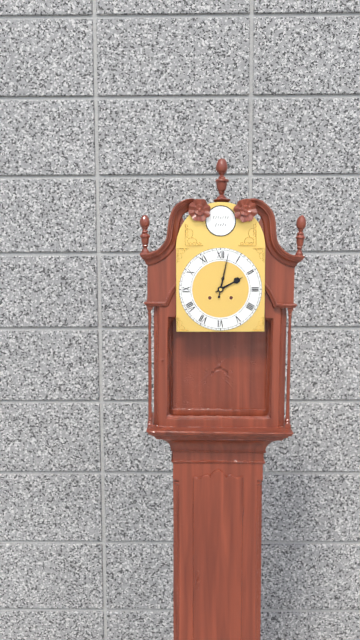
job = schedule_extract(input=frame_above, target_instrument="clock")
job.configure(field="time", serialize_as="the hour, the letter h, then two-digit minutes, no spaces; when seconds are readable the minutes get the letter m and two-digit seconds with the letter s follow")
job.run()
2h02
